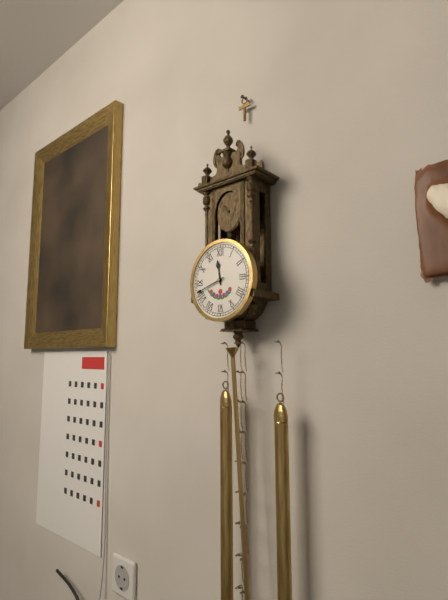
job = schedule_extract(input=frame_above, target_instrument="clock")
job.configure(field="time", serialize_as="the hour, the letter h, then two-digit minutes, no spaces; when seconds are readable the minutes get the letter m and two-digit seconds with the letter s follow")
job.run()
11h42
